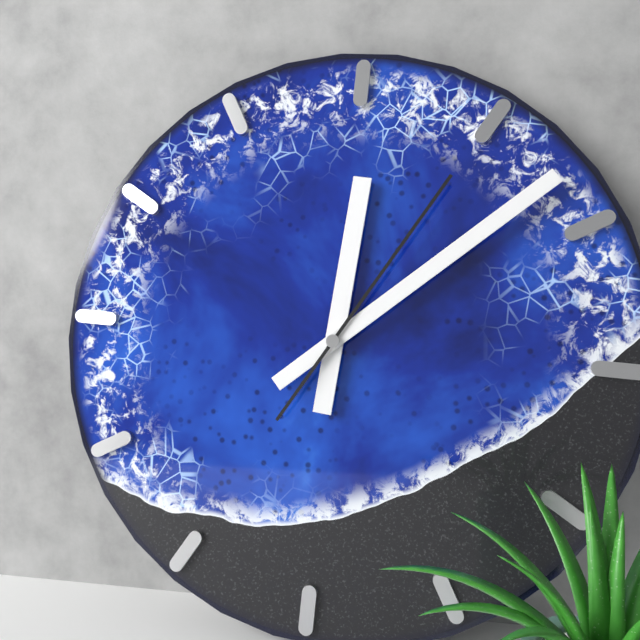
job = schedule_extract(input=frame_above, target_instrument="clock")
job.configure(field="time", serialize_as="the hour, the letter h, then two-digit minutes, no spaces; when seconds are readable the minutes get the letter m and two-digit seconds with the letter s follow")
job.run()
12h08m05s
